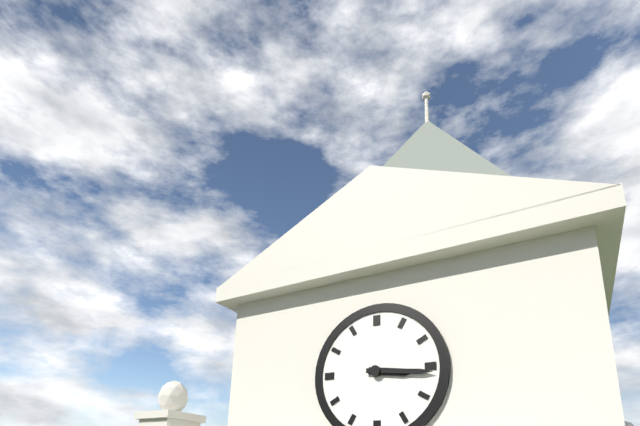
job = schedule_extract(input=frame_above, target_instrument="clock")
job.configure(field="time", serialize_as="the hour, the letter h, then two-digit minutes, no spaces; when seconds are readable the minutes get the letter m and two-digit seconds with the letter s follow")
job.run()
3h16
